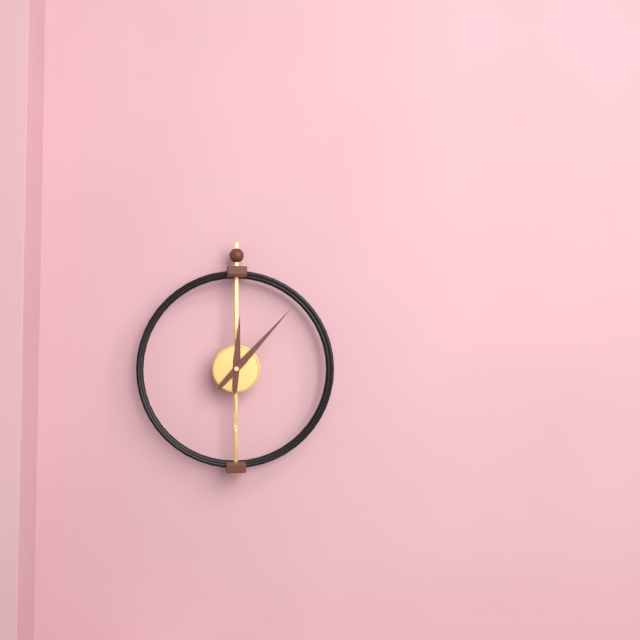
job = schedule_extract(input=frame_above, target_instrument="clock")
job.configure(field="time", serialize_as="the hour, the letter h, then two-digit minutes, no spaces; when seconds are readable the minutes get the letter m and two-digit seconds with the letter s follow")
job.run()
12h07
